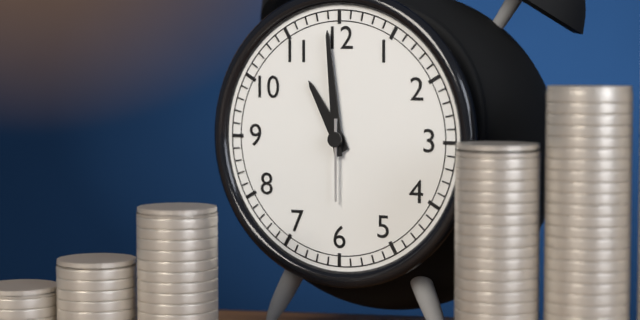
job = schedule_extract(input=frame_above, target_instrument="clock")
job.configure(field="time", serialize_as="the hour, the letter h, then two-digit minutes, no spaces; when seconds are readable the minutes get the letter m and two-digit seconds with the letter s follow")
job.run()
10h59m30s
